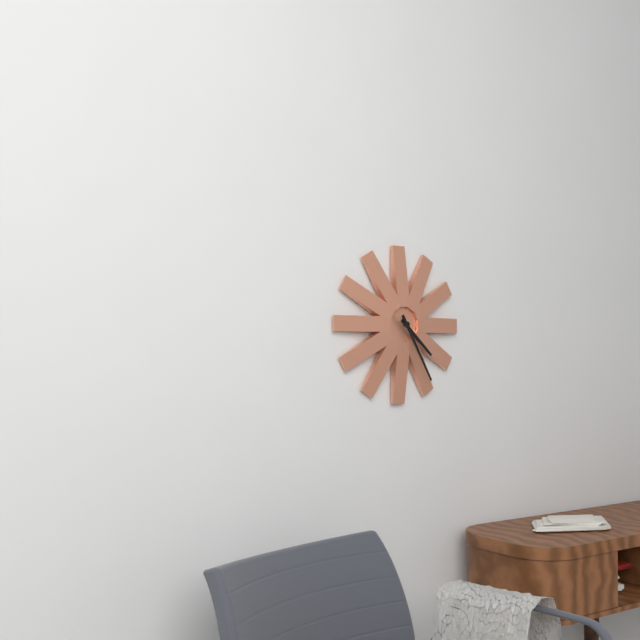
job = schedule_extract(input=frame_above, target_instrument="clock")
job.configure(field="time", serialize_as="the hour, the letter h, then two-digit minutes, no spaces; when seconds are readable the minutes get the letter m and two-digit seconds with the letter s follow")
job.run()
4h25
